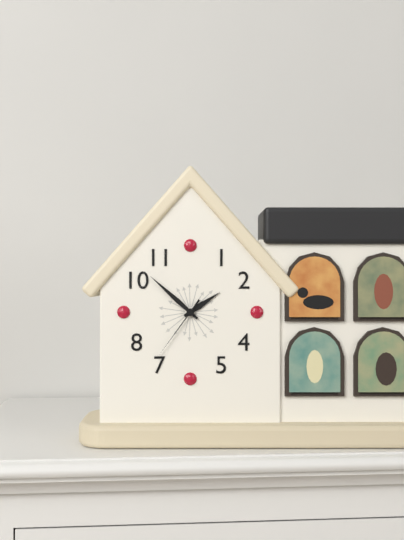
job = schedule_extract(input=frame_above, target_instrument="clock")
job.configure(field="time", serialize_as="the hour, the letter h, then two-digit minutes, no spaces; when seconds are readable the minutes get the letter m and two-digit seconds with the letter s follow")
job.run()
1h52m36s
